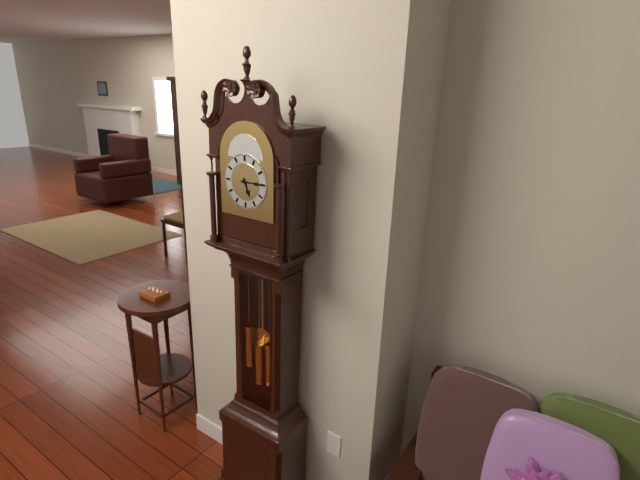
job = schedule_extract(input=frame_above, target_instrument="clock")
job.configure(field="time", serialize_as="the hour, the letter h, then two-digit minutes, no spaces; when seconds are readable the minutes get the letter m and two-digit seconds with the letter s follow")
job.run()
5h15
